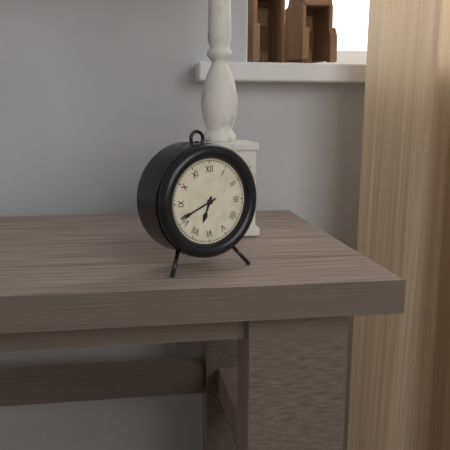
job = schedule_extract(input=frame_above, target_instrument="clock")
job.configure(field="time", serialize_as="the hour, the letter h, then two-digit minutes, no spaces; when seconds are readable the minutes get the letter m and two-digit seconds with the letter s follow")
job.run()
6h41
